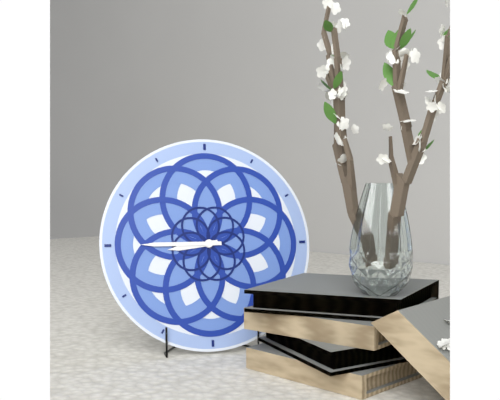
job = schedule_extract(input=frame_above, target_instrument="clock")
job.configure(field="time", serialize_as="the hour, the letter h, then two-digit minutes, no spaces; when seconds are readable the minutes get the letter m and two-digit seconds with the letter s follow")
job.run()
8h45
